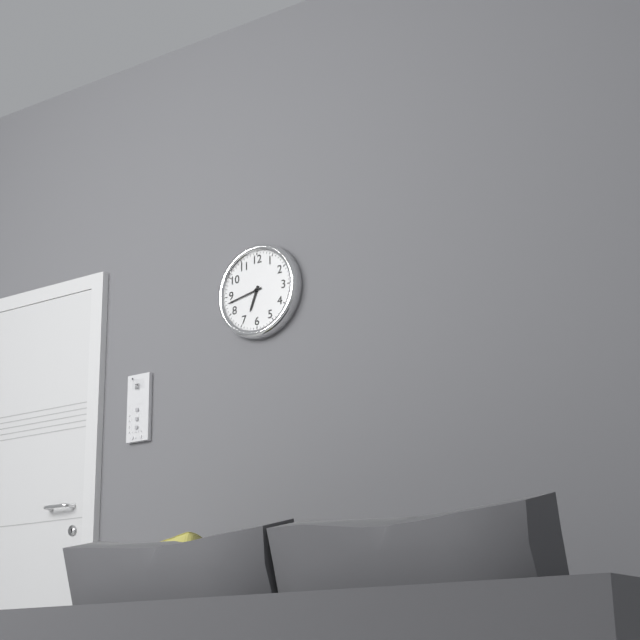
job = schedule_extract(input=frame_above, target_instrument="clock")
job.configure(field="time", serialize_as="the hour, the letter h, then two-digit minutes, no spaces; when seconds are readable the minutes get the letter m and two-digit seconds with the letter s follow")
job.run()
6h43
